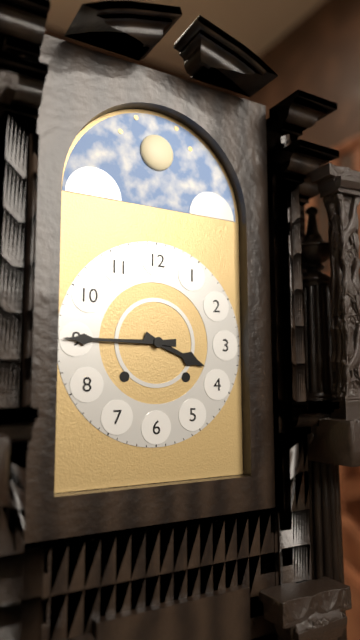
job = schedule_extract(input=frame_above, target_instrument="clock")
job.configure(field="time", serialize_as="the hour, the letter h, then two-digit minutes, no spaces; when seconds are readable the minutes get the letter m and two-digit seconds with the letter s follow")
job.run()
3h45
